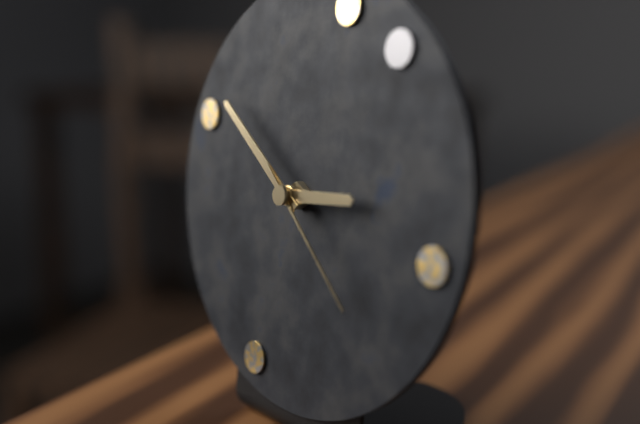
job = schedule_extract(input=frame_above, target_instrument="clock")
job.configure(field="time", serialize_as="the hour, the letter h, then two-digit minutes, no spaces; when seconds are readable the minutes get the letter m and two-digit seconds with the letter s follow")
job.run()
2h51m22s
